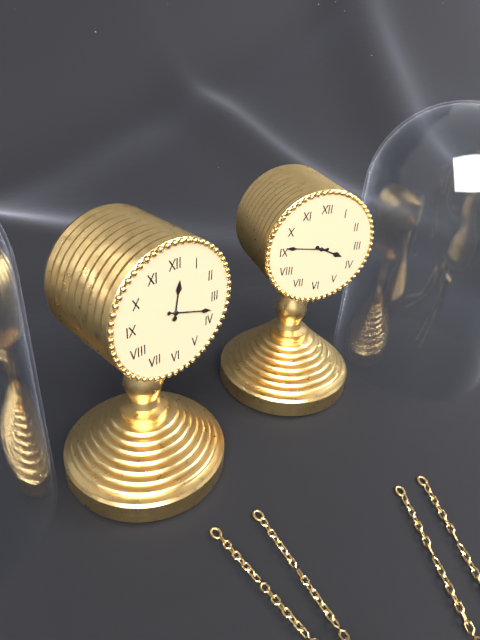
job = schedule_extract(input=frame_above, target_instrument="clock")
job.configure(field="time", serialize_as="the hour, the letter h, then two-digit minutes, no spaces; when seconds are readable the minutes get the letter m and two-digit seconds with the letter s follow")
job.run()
12h18
